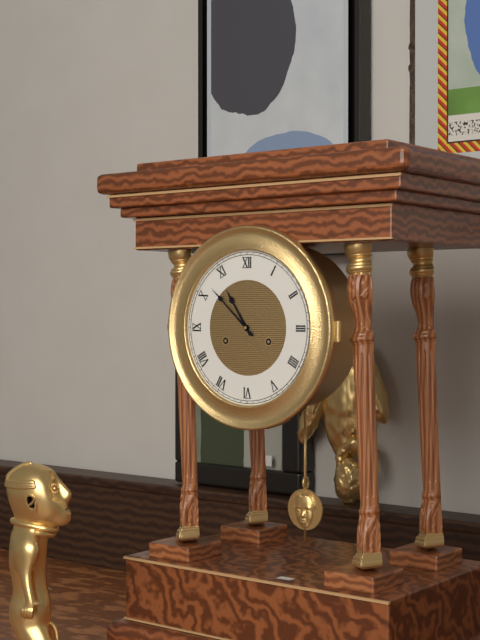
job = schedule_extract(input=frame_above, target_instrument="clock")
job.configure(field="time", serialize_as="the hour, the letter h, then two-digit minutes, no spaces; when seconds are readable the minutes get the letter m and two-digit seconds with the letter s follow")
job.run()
10h52
